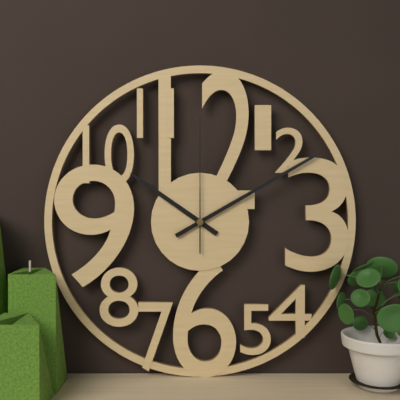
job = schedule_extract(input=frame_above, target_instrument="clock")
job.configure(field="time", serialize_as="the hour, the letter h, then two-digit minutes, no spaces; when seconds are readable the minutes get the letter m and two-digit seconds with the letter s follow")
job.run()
10h10m00s
